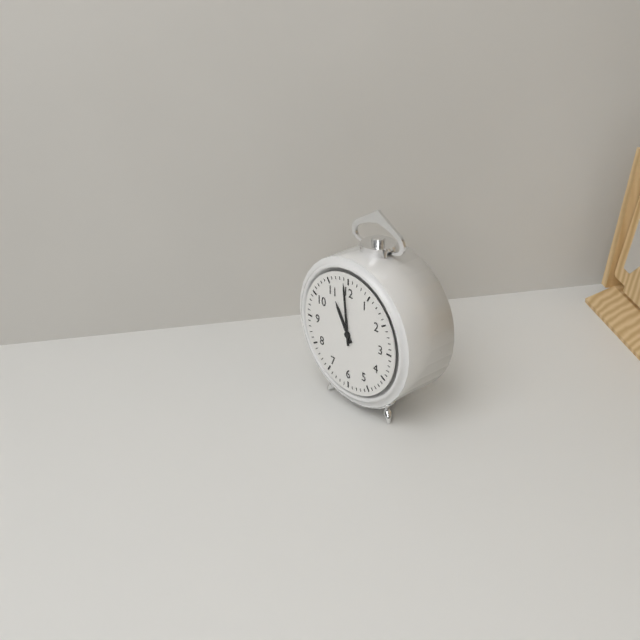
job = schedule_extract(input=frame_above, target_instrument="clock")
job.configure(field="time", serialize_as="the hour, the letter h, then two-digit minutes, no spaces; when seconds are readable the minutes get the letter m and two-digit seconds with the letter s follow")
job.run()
10h59
